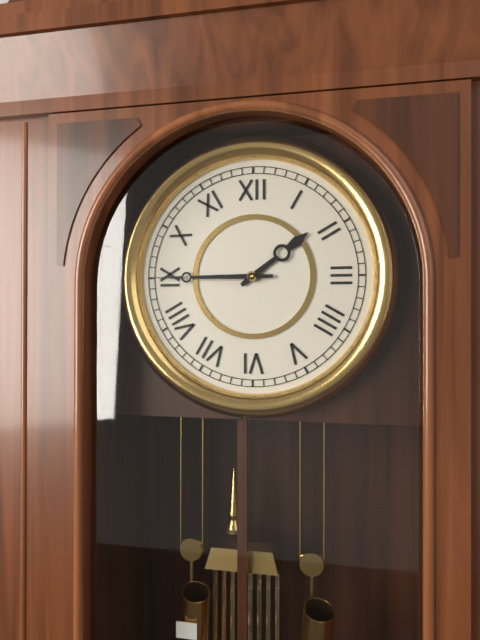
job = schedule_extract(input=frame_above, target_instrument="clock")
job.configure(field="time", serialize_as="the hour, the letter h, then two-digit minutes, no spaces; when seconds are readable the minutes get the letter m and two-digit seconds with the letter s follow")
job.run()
1h45
